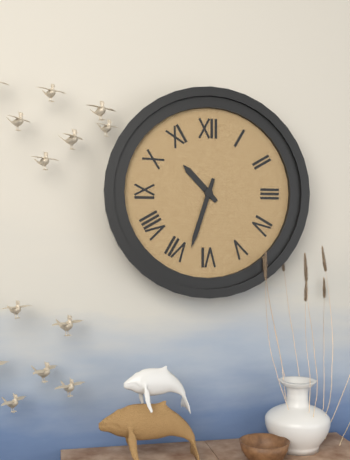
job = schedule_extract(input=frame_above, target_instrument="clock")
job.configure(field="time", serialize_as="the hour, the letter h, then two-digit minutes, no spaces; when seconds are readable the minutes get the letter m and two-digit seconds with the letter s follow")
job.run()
10h33
